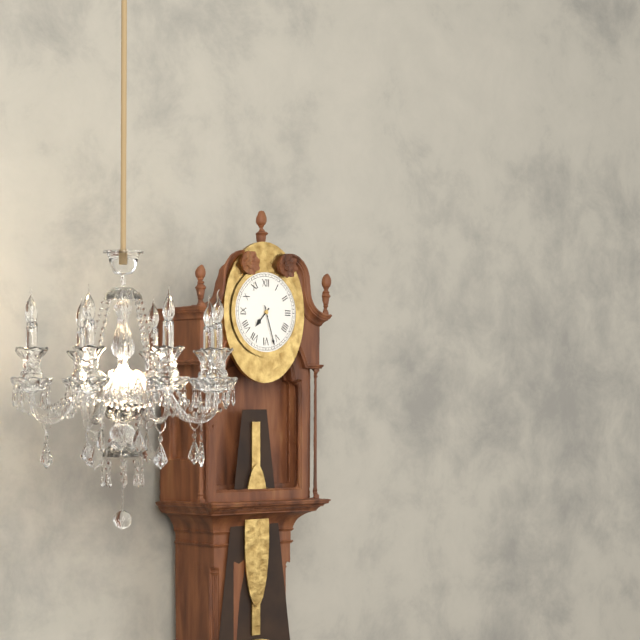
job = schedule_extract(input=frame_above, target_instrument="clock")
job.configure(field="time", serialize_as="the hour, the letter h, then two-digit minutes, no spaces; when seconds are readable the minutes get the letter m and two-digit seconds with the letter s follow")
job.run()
7h27
